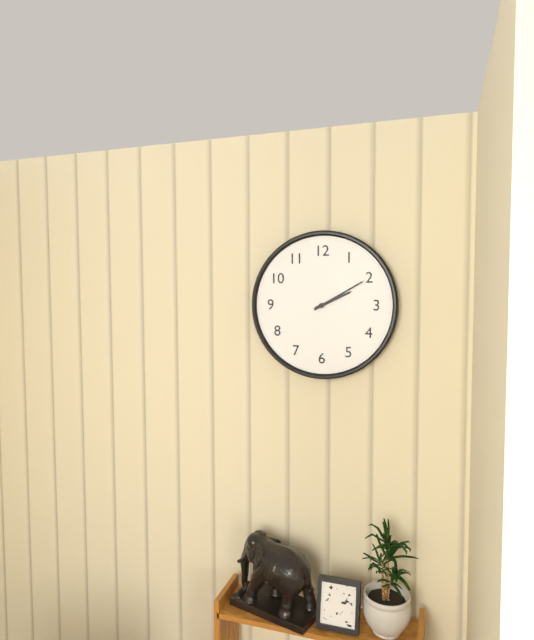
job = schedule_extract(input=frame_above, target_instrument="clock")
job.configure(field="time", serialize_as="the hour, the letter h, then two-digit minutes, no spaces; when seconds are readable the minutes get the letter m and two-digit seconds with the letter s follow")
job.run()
2h10
